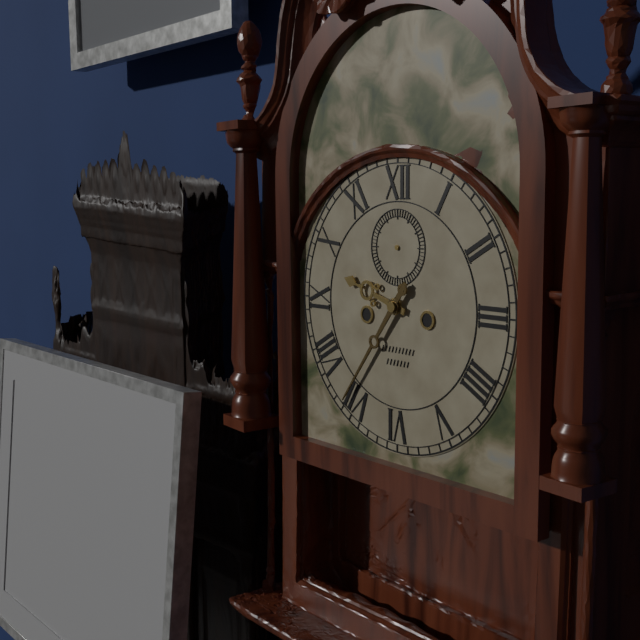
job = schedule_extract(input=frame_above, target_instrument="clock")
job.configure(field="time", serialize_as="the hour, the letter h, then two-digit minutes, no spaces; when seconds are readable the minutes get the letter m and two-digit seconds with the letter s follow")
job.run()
9h36
